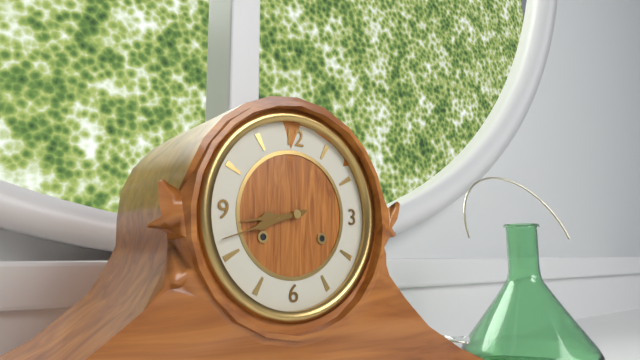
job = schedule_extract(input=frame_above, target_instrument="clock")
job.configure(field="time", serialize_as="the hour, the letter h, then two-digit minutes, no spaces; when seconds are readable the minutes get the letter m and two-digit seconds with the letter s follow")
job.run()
8h42
